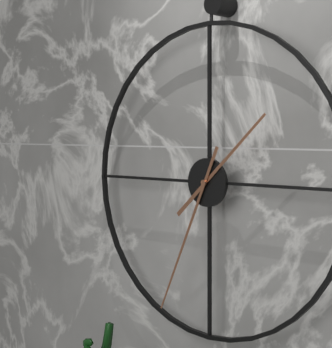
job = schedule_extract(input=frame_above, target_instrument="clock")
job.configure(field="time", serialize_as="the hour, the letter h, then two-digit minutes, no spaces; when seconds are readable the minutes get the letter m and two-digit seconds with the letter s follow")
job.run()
1h34
